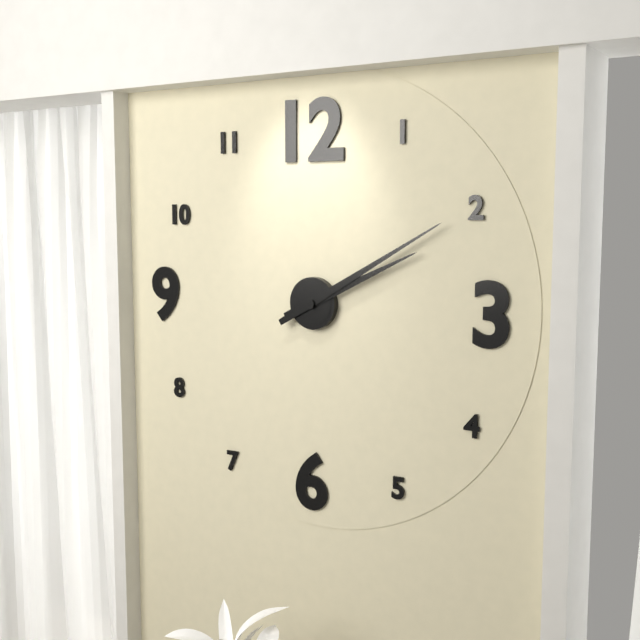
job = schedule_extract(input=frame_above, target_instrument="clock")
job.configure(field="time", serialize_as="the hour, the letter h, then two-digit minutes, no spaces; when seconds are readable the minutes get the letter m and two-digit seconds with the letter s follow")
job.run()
2h10
